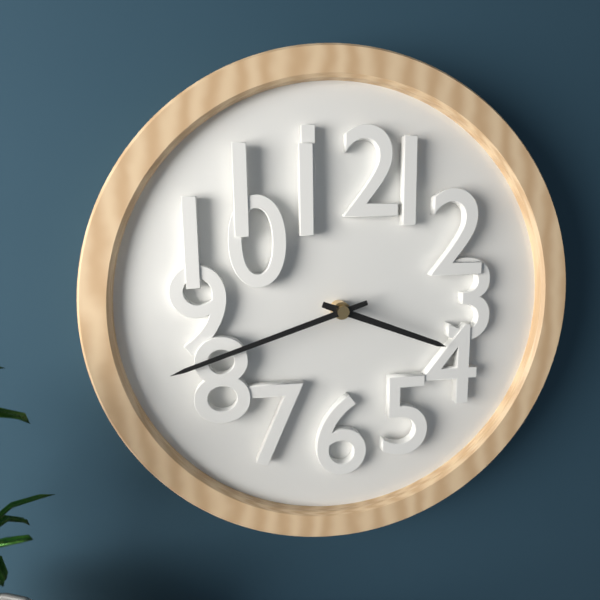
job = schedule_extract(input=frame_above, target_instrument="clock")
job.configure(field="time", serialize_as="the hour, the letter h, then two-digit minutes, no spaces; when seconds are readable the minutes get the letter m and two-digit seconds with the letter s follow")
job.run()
3h42
